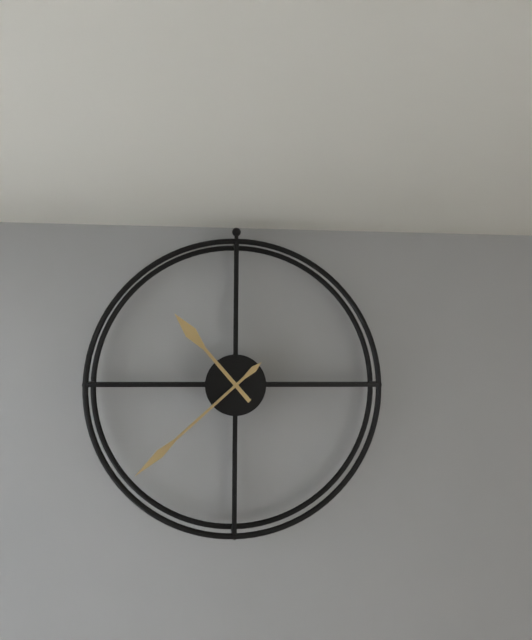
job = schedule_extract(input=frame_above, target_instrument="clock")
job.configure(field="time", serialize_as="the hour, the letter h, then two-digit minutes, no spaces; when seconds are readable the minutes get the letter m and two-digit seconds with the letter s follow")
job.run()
10h38
